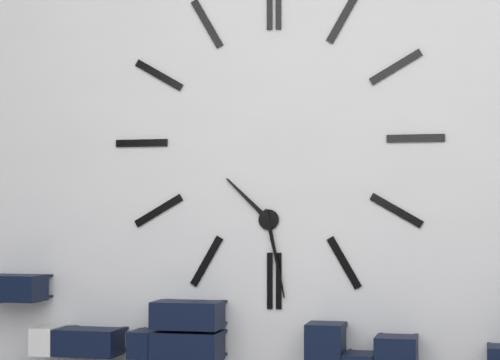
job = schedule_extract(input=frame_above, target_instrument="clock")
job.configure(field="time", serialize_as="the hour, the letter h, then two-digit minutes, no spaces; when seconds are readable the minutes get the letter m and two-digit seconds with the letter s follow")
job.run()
10h28
